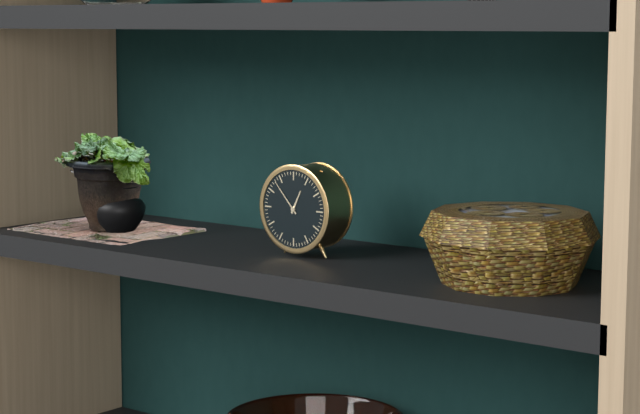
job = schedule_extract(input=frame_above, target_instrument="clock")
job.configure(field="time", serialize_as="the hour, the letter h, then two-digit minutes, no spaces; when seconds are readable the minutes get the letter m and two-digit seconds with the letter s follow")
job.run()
12h53
